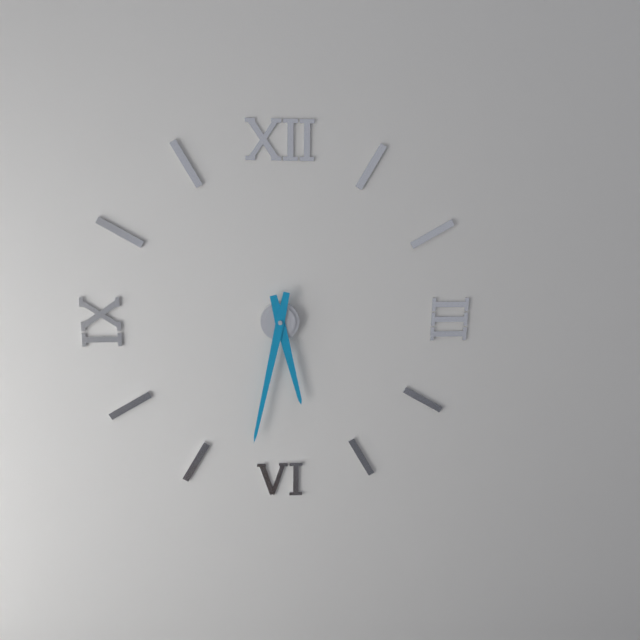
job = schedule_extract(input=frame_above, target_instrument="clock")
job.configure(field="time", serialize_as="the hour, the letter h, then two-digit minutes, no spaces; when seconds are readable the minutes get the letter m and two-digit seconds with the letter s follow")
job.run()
5h32
